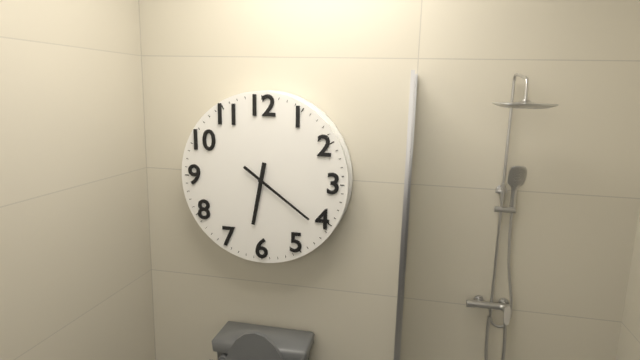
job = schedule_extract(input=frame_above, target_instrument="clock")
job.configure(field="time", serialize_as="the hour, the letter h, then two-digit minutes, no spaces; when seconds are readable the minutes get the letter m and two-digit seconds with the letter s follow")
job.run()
6h21
